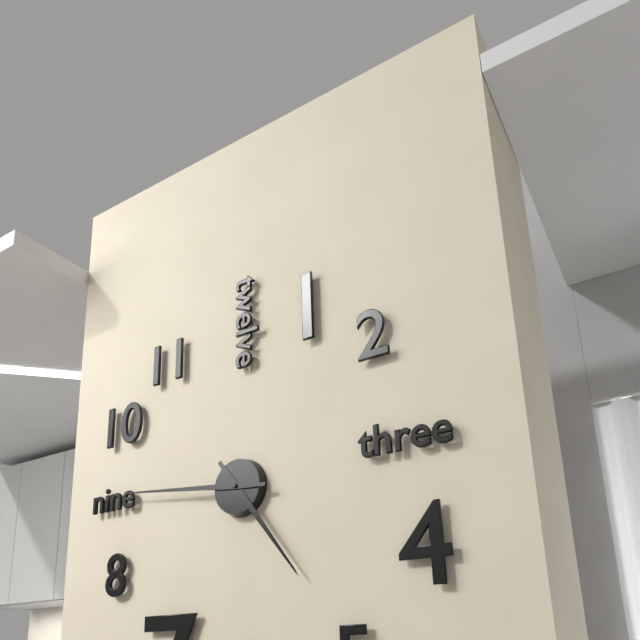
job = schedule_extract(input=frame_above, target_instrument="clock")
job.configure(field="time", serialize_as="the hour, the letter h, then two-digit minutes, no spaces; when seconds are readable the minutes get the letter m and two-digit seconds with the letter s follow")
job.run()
4h46
